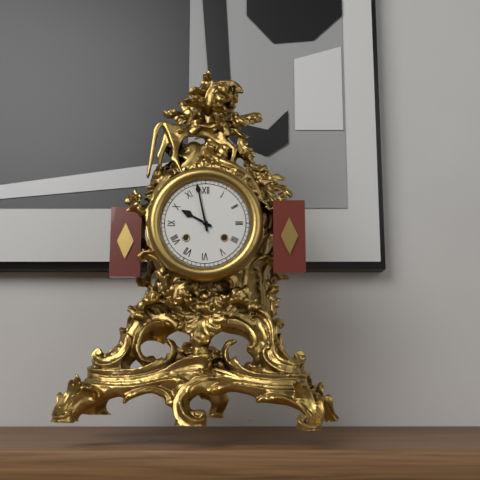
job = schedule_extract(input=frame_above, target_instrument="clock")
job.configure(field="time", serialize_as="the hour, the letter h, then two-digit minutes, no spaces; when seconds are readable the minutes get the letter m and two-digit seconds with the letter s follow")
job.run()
9h58
